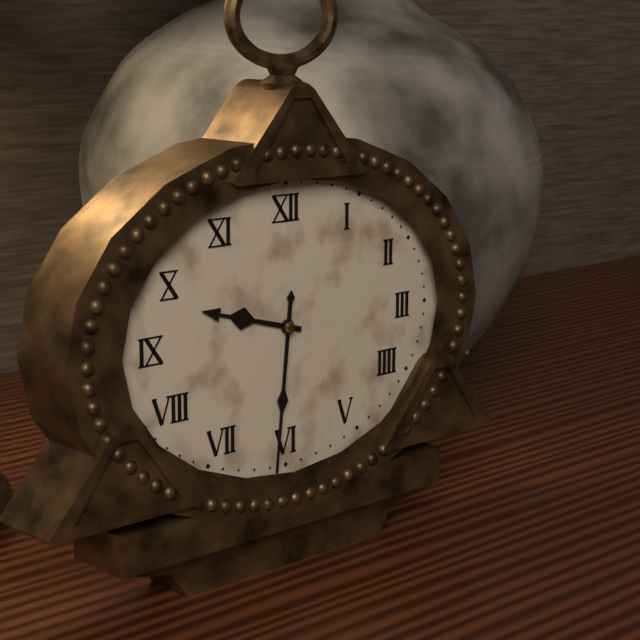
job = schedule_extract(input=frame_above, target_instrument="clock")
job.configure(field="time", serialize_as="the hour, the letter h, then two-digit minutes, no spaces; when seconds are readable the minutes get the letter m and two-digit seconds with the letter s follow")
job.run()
9h31
